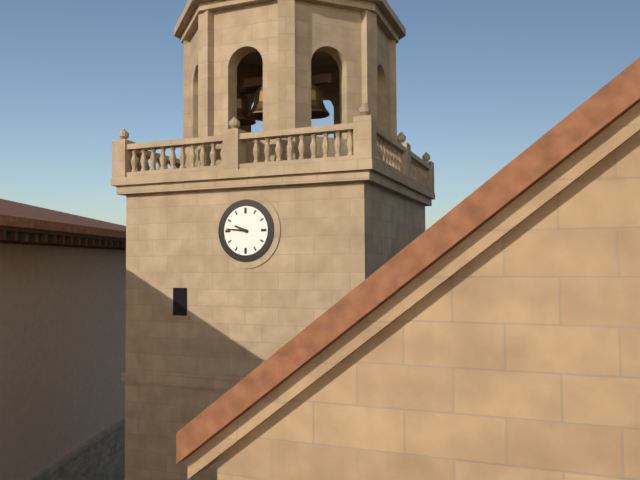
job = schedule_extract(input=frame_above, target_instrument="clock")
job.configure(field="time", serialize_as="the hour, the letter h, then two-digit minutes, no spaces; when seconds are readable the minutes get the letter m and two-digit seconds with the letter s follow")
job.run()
9h46
